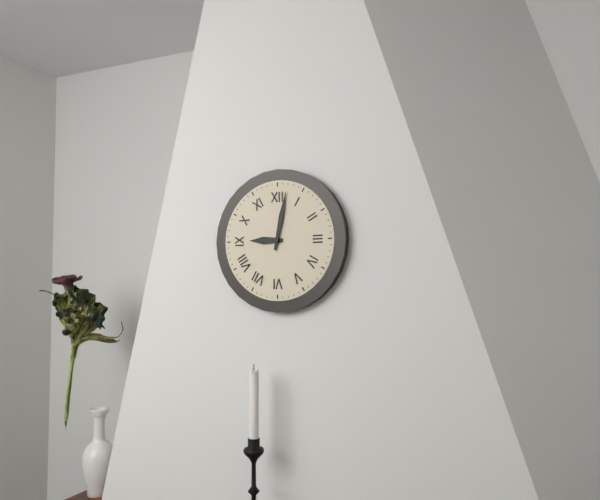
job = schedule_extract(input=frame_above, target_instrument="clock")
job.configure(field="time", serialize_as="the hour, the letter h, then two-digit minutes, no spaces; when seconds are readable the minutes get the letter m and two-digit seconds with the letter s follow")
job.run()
9h02
